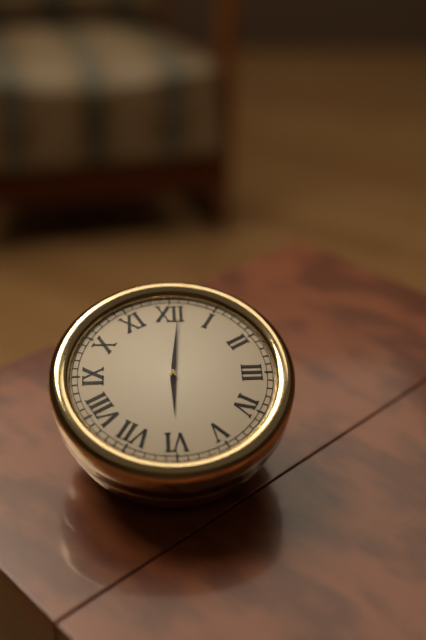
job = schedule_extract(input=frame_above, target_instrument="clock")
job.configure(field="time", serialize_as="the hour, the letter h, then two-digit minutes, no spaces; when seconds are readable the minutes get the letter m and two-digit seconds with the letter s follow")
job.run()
6h01
